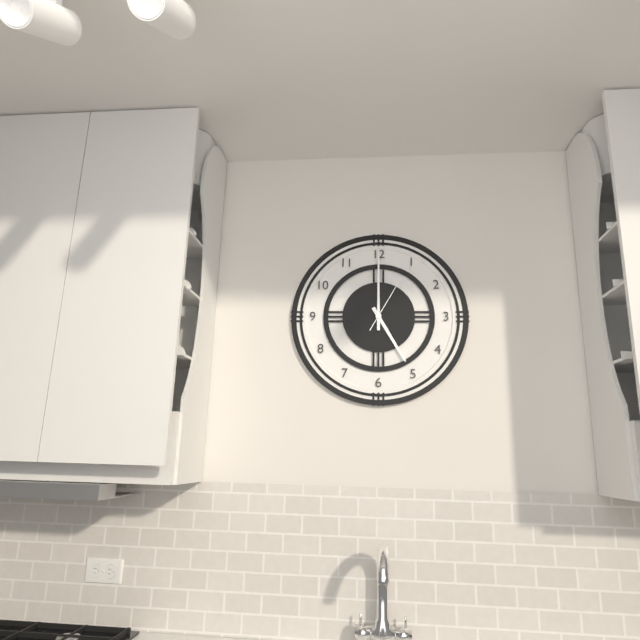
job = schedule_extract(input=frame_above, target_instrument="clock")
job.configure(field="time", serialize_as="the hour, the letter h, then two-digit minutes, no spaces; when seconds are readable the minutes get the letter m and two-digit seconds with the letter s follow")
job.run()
5h00m05s
